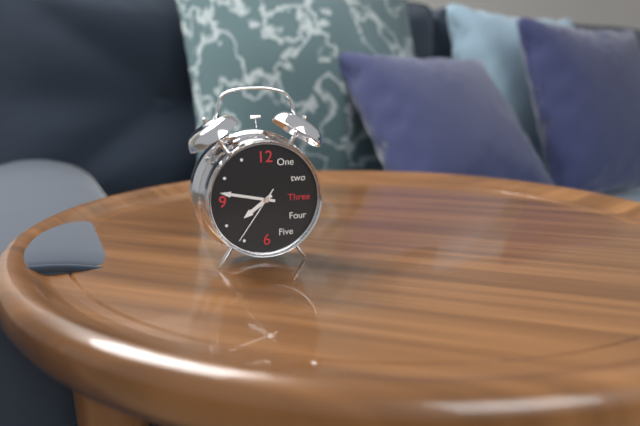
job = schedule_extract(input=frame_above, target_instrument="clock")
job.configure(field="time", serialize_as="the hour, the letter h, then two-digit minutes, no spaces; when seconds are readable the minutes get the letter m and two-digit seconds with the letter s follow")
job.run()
7h47m36s
